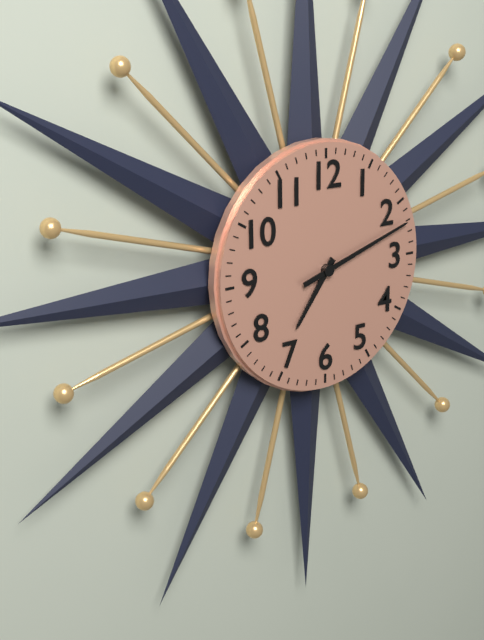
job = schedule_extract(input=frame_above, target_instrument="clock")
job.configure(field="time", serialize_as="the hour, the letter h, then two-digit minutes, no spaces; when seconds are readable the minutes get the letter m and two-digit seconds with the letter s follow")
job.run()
7h12
